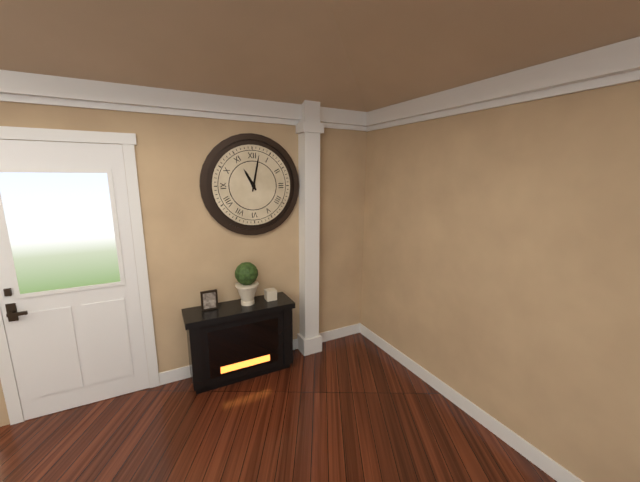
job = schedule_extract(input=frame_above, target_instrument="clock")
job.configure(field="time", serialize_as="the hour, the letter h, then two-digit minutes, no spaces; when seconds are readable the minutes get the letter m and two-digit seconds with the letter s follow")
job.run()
11h02
